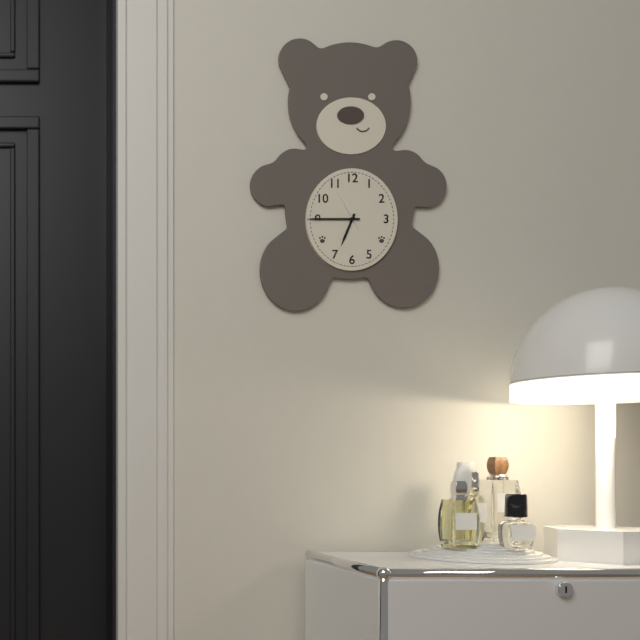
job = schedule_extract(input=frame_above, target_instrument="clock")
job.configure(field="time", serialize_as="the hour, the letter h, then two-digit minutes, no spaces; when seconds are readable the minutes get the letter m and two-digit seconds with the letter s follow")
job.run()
6h45
